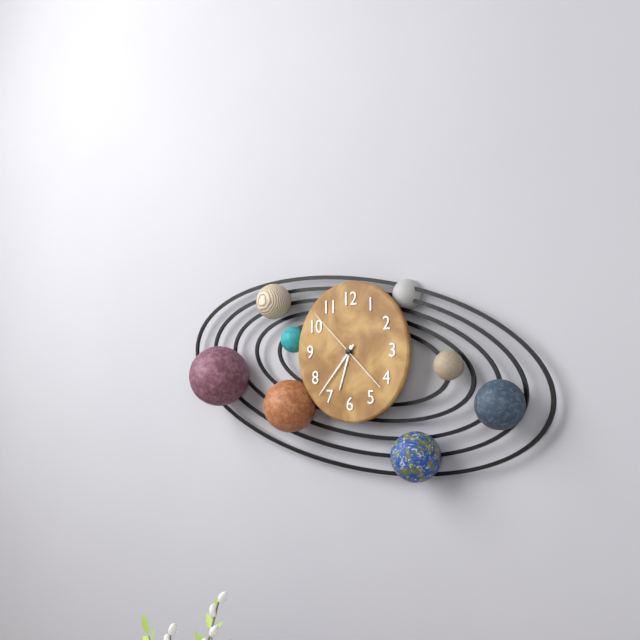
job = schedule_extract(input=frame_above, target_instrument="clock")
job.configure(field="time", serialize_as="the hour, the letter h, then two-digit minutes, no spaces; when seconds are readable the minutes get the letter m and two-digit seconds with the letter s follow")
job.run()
6h37m52s
